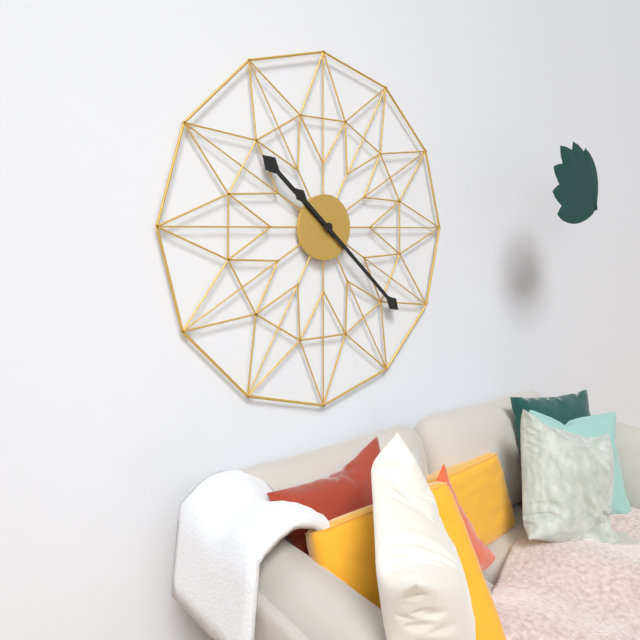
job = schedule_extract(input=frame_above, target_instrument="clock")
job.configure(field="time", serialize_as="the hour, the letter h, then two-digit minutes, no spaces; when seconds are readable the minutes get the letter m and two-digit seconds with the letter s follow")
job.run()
10h22
